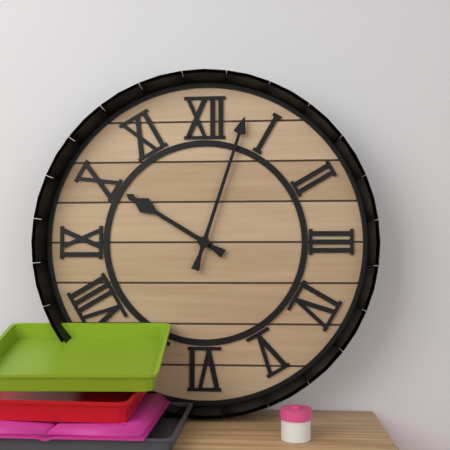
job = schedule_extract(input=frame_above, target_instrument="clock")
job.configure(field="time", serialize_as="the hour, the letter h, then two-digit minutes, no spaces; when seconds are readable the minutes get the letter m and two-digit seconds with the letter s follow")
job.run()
10h03
